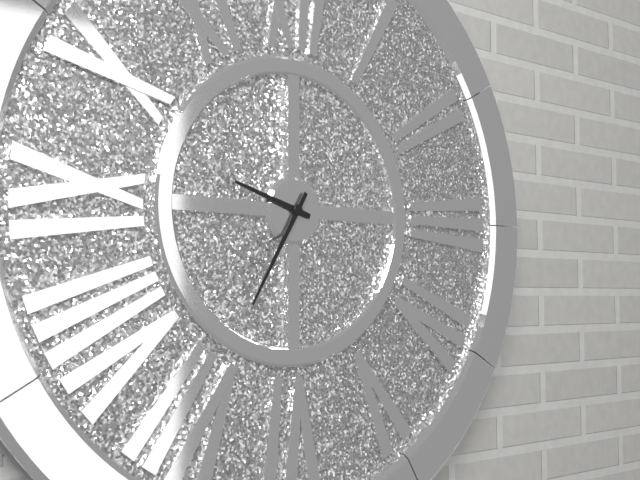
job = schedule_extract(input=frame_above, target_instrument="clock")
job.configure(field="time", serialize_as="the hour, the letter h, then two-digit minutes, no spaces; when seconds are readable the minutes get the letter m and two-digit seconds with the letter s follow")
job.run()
9h35
